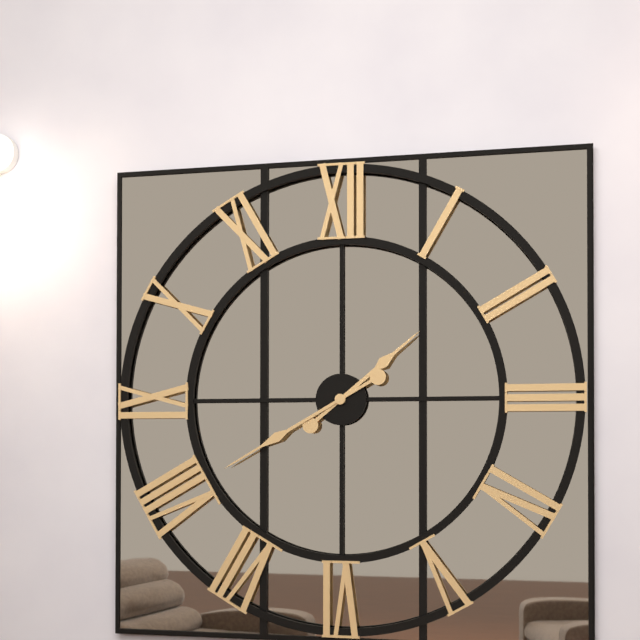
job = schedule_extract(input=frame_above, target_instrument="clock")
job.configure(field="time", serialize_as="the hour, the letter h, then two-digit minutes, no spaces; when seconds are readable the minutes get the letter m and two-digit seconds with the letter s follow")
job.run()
1h40
